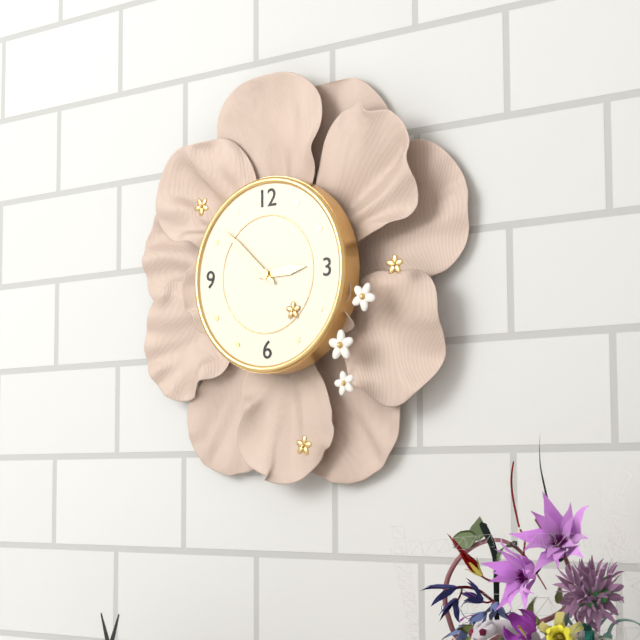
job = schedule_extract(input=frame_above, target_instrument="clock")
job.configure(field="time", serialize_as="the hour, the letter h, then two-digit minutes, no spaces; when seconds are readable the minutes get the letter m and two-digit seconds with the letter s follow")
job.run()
2h52
